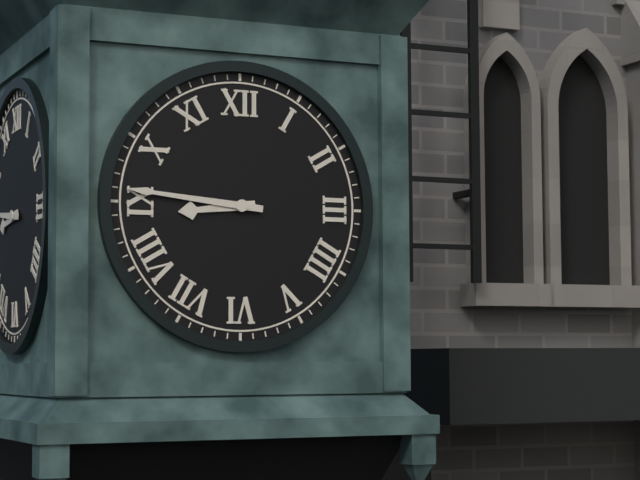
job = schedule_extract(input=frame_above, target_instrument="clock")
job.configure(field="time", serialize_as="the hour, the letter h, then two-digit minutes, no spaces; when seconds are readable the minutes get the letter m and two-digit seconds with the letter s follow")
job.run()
8h46
